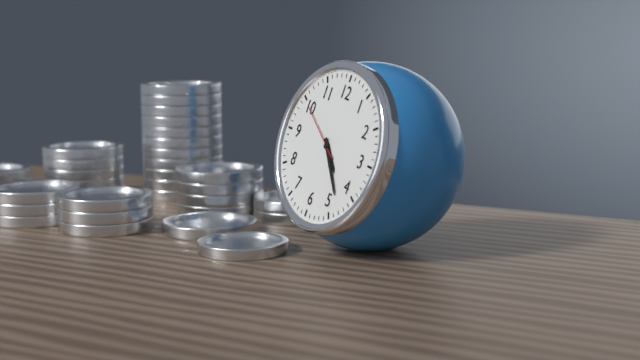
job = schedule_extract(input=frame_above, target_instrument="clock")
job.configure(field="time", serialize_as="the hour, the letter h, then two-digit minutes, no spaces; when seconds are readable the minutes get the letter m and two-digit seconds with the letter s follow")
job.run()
4h23m50s
